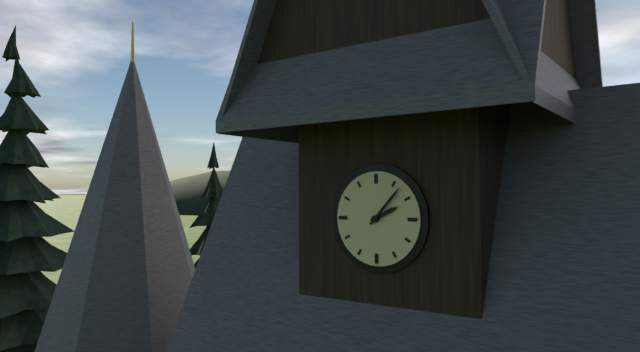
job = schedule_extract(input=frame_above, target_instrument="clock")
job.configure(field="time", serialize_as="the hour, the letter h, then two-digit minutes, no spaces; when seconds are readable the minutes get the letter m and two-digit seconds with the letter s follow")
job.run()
2h07
